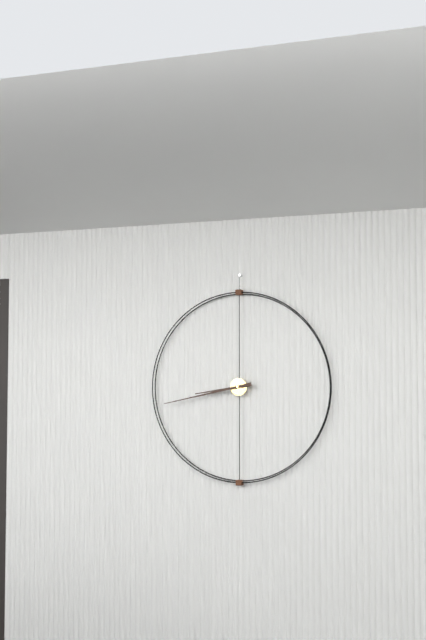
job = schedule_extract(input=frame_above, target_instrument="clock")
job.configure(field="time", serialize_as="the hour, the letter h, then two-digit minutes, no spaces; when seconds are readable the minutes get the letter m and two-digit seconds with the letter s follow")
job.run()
8h43
